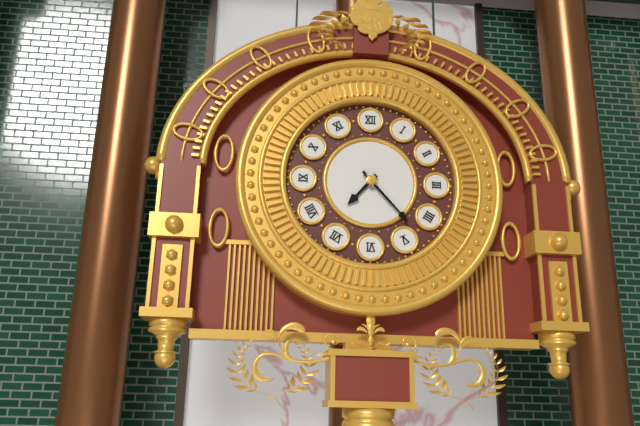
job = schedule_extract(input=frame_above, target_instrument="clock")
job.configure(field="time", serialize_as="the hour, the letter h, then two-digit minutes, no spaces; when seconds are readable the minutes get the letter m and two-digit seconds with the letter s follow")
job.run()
7h23
